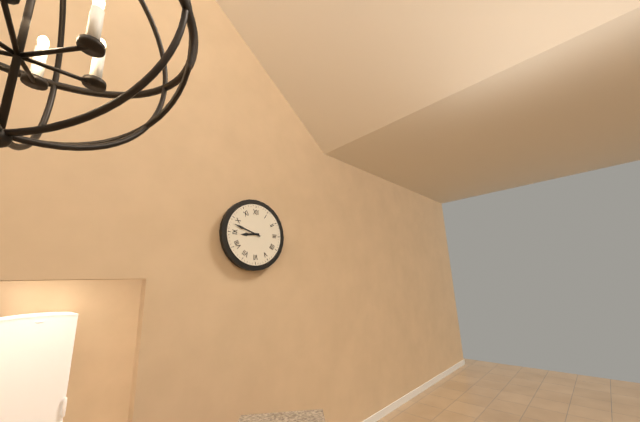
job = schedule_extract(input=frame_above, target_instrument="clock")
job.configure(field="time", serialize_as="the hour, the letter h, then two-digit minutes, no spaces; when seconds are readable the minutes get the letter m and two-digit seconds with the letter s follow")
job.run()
8h48
